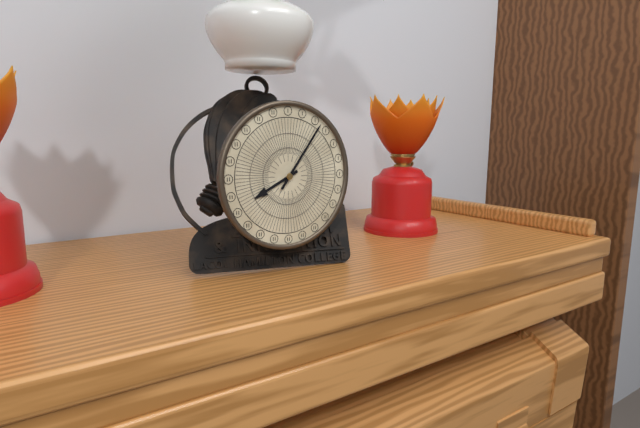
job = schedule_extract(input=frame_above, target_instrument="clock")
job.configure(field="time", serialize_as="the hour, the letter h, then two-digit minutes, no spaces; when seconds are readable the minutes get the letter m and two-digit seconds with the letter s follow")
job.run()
8h06
